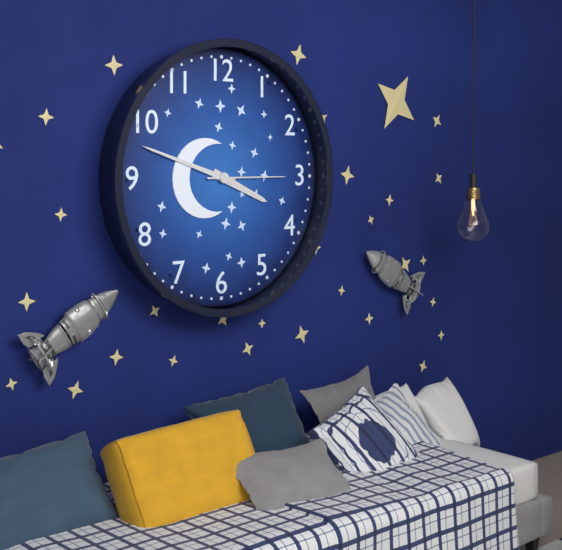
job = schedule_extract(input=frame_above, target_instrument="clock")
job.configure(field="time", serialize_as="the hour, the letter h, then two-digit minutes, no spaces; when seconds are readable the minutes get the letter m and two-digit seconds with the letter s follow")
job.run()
3h48m15s
